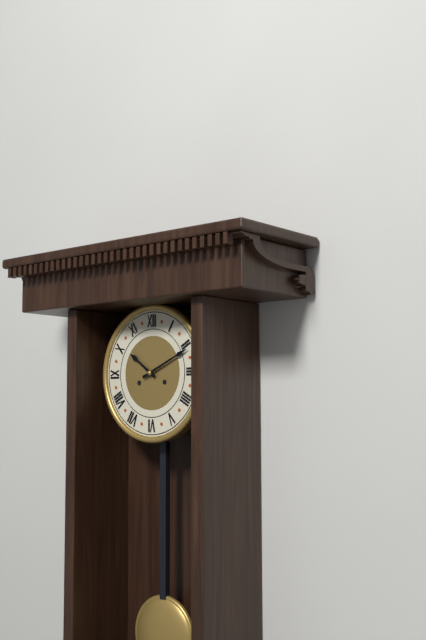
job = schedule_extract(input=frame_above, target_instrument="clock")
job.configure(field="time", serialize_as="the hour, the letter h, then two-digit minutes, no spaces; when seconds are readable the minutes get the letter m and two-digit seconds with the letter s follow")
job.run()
10h11
